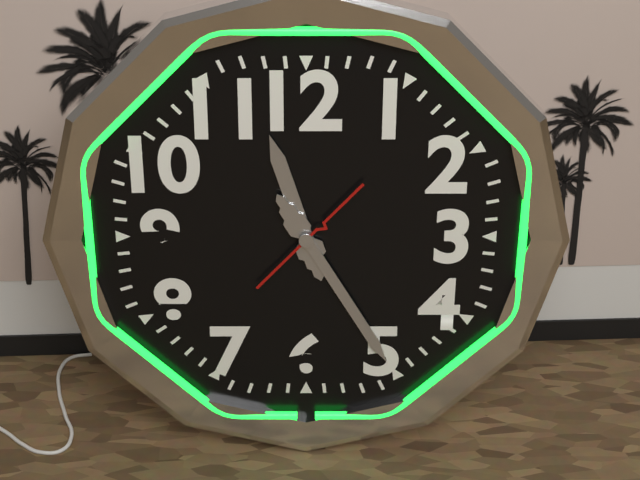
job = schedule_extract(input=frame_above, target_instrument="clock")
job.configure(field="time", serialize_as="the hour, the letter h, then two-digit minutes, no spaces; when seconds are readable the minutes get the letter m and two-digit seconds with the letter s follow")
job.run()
11h25m07s
